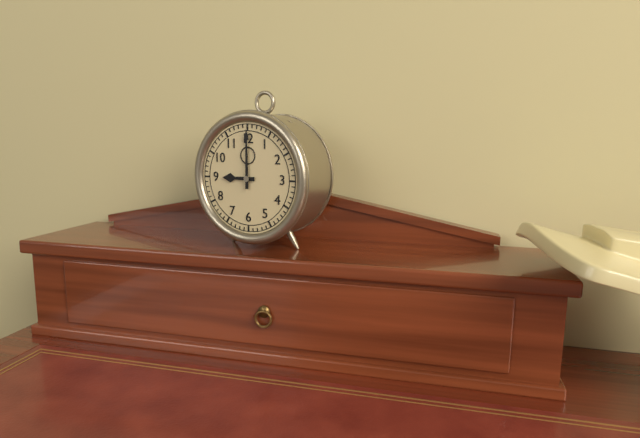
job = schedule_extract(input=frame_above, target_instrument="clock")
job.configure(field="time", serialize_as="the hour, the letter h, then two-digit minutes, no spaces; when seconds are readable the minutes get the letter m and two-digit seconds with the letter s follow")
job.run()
9h00
